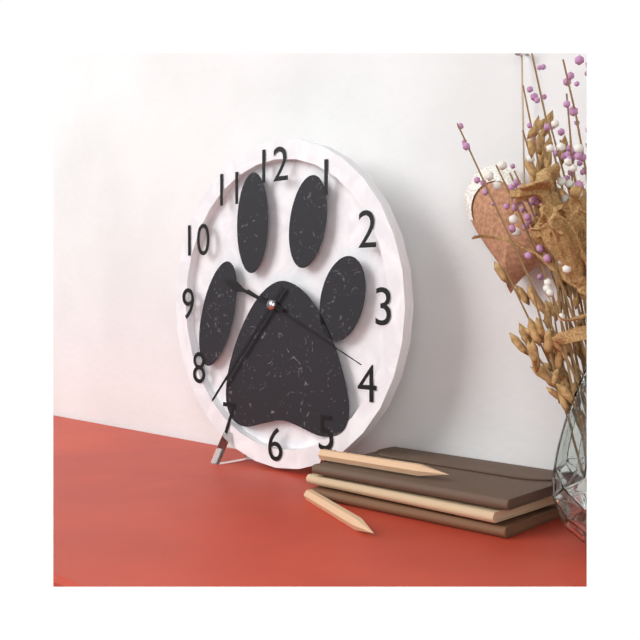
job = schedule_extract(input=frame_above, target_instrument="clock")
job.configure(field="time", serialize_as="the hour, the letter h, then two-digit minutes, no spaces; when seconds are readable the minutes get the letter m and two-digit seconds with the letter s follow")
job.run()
9h37m19s
